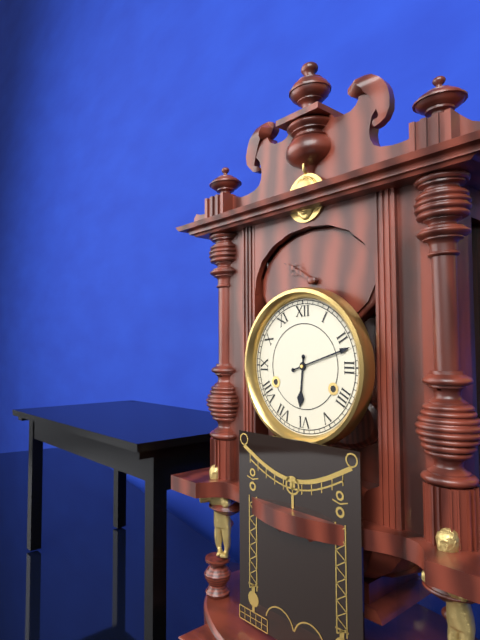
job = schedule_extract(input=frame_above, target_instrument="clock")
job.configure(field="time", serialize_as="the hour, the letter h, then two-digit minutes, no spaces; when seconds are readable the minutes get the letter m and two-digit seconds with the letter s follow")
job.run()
6h12
